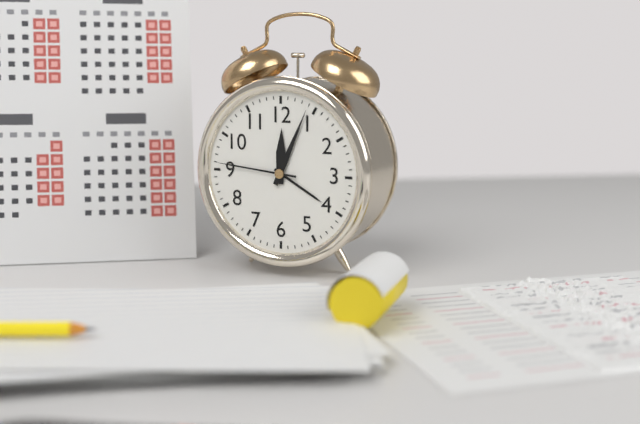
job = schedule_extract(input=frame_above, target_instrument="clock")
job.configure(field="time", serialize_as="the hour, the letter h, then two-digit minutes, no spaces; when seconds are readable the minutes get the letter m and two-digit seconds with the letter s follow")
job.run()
12h04m46s
